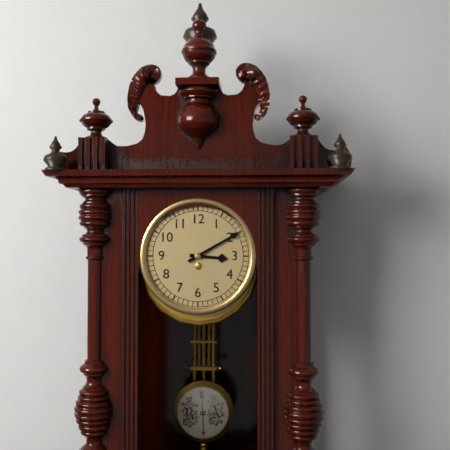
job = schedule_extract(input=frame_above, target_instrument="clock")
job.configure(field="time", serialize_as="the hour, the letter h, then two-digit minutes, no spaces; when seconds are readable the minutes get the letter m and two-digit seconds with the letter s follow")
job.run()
3h10
